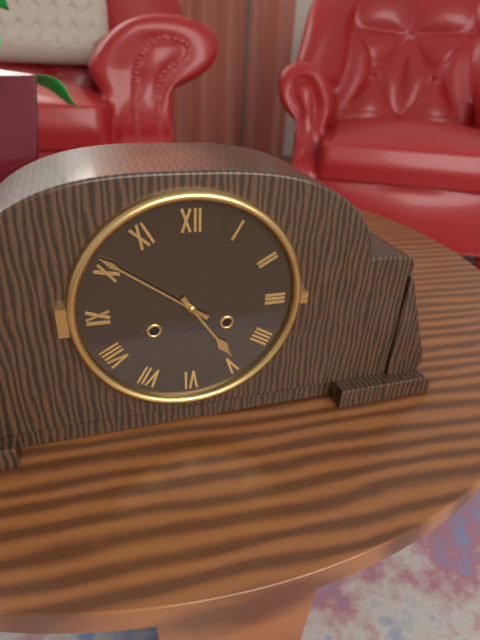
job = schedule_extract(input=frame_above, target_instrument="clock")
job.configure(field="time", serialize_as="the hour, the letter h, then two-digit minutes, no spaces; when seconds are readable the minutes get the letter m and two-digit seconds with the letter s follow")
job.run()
4h51
